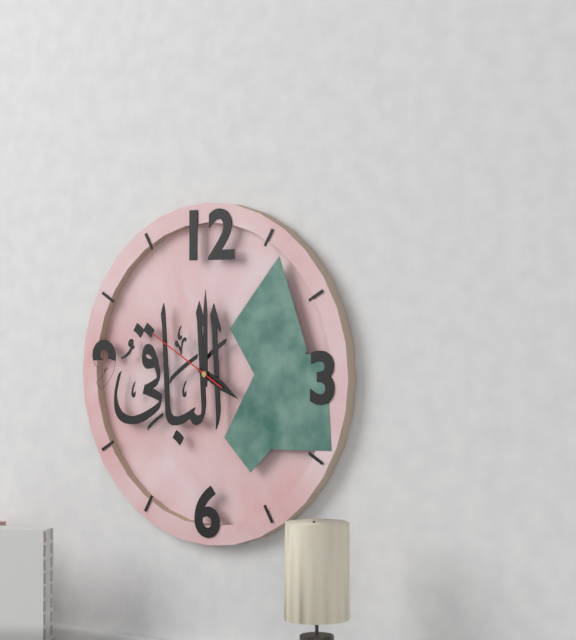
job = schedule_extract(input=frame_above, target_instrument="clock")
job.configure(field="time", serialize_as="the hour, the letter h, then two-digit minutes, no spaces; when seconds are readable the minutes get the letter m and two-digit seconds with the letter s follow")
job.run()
4h00m50s
